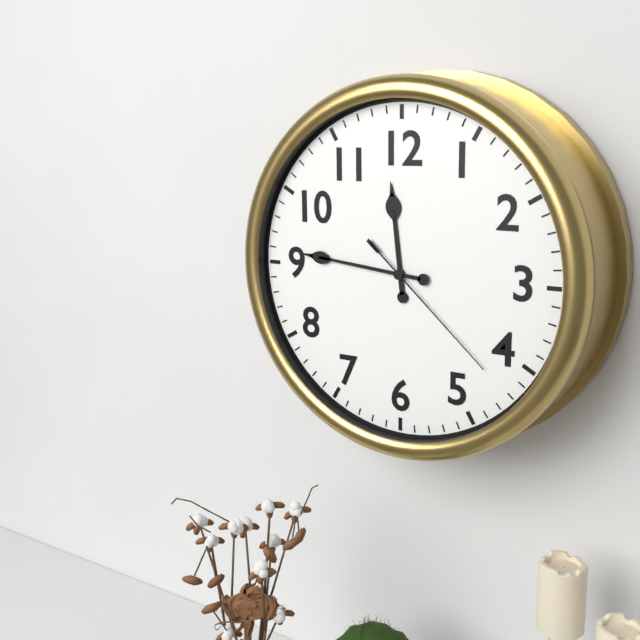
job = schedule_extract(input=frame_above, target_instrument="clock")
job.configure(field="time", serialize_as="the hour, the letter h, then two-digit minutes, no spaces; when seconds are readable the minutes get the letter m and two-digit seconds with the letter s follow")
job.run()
11h46m22s
